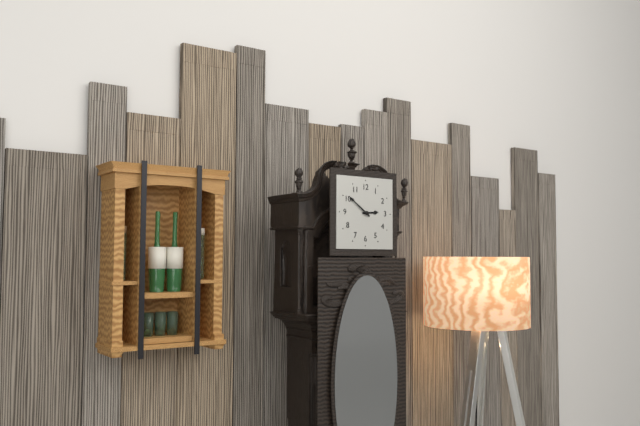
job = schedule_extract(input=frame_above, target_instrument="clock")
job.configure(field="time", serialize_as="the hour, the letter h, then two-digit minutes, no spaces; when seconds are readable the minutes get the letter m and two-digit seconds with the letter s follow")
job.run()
2h51
